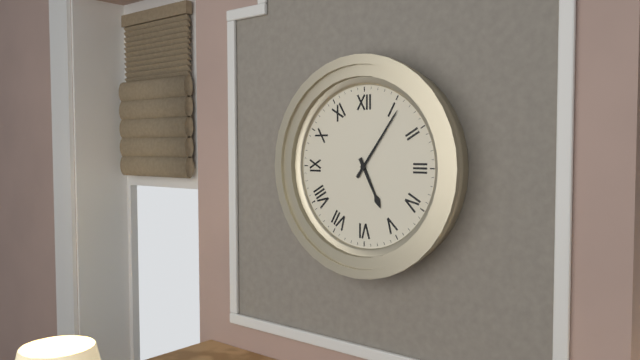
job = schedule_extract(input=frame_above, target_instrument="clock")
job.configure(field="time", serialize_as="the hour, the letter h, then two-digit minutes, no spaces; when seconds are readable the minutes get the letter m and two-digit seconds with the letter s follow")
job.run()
5h06
